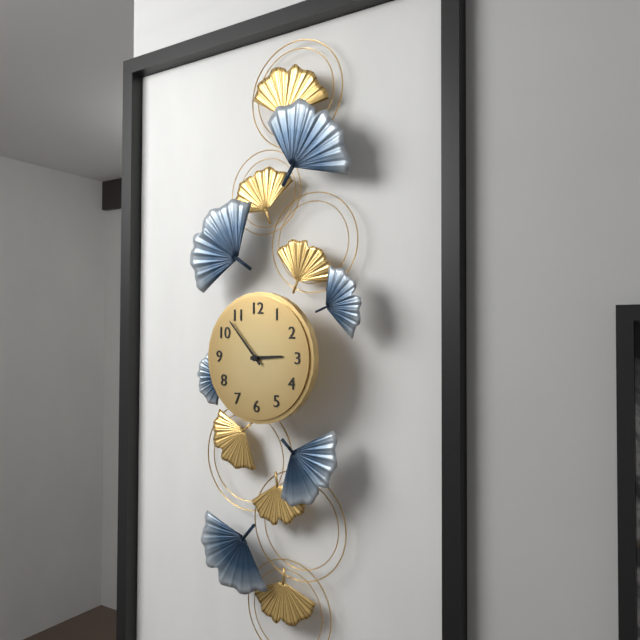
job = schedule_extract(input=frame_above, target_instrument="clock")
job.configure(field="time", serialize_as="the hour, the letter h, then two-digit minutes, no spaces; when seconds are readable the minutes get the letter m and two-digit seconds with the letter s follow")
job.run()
2h53
